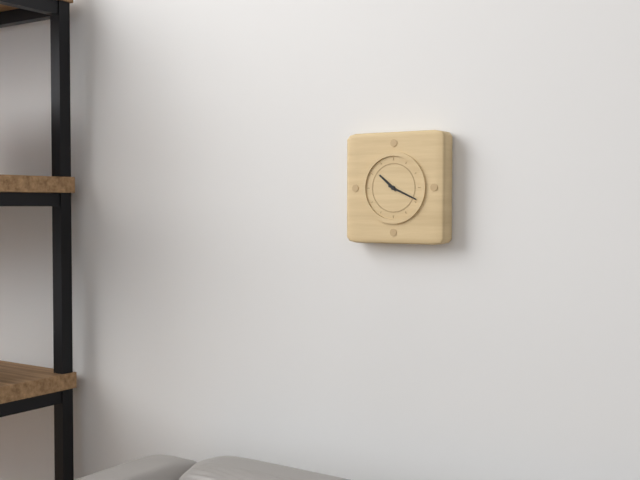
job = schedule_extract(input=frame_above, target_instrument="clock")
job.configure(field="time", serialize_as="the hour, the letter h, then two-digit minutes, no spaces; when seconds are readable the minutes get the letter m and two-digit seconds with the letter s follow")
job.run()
10h19
